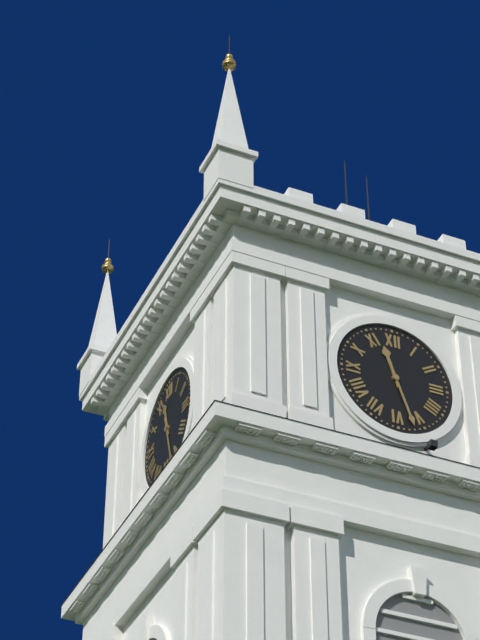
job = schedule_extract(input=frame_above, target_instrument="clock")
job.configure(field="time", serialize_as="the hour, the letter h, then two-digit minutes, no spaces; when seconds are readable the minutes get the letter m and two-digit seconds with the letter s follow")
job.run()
11h27
